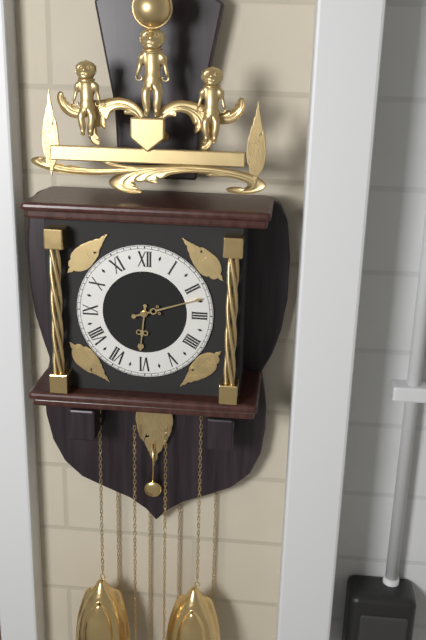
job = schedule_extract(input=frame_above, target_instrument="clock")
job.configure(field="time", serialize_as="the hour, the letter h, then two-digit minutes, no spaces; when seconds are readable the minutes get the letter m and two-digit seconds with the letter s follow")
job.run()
6h12
